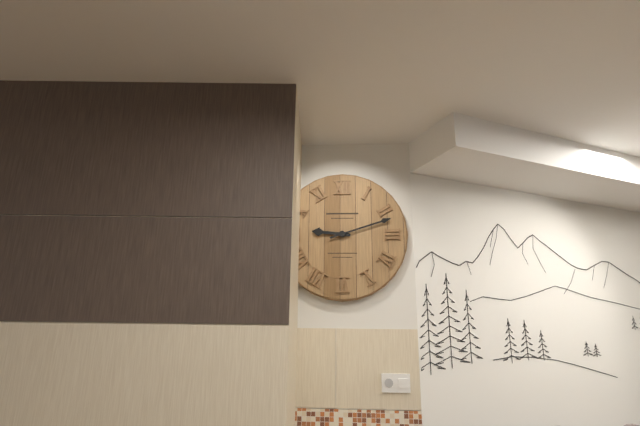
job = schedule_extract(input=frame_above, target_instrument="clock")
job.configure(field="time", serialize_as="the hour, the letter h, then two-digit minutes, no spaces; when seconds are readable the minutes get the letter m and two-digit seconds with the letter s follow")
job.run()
9h12
